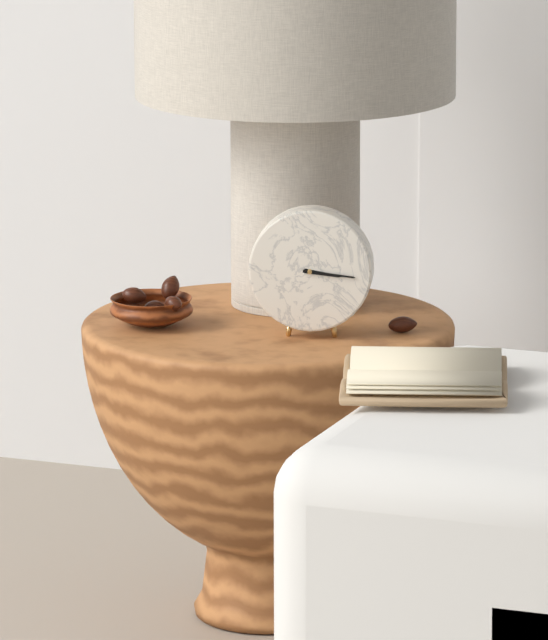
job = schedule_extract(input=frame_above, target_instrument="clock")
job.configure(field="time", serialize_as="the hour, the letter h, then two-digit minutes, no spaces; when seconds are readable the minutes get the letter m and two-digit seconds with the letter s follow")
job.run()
3h16
